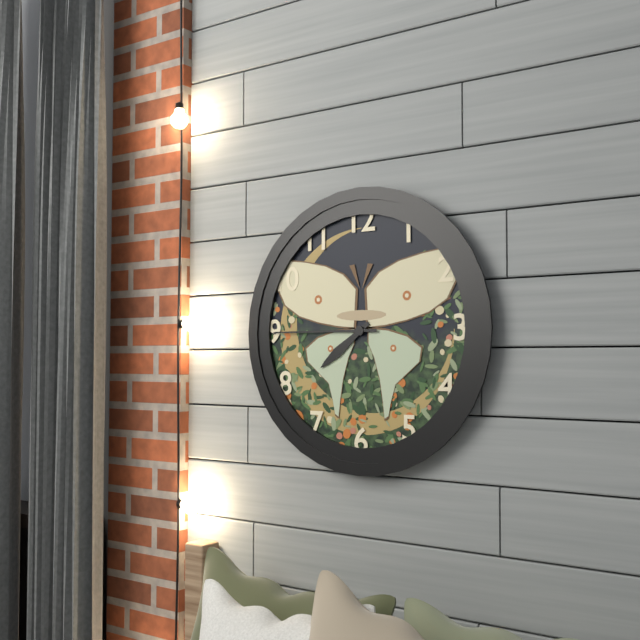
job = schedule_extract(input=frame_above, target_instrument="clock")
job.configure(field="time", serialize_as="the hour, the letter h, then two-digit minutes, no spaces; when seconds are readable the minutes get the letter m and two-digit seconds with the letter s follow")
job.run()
7h45
